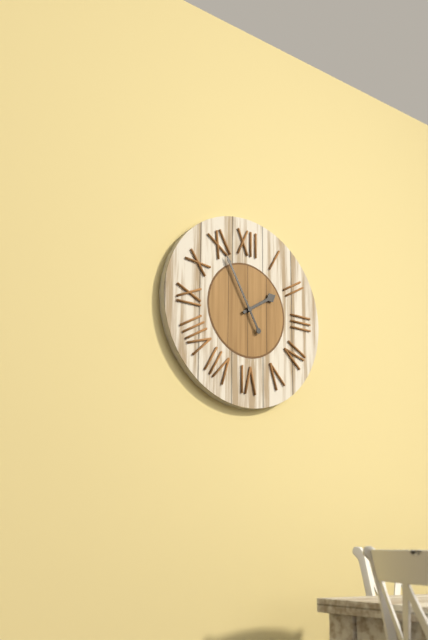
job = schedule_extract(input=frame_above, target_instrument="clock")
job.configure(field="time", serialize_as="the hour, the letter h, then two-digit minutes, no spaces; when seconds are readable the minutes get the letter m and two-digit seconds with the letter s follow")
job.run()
1h55
